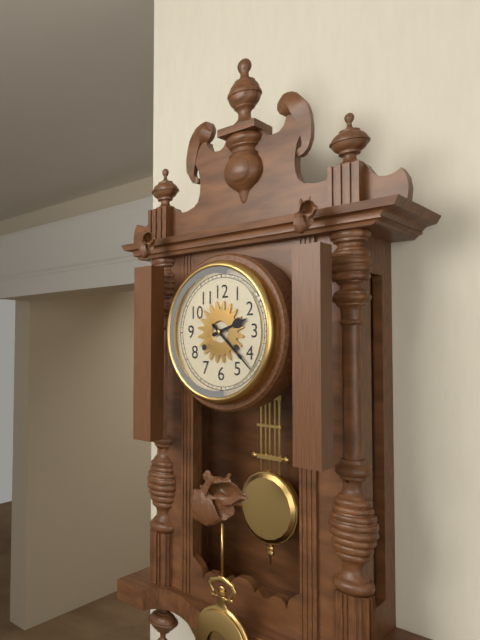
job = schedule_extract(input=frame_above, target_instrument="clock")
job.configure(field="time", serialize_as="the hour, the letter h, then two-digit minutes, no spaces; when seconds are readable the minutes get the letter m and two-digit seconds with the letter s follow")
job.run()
2h22
